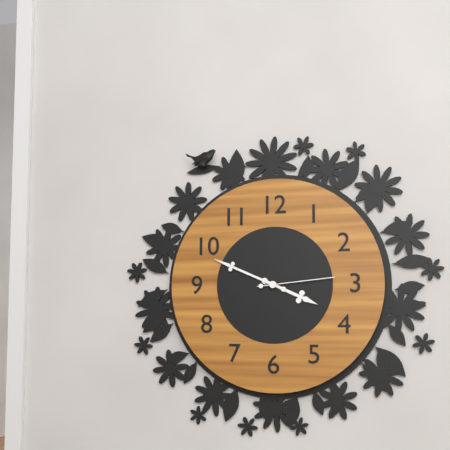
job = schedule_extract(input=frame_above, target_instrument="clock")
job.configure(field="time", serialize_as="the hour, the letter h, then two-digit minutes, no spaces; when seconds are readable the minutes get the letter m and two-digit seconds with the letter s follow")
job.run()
3h49m14s
